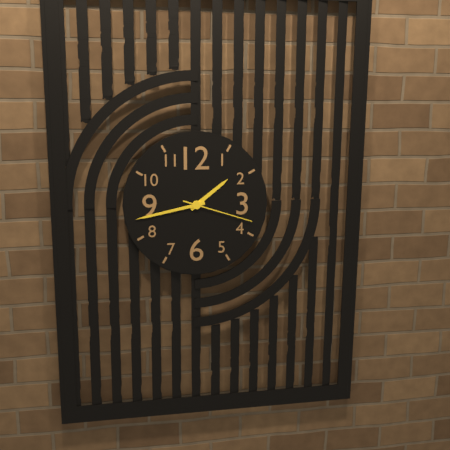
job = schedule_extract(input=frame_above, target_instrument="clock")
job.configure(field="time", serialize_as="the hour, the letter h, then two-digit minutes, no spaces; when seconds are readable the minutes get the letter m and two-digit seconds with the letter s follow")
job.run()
1h43m18s
